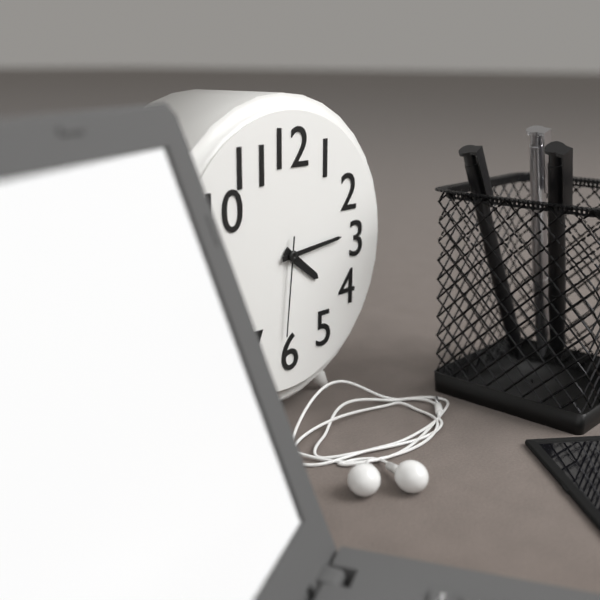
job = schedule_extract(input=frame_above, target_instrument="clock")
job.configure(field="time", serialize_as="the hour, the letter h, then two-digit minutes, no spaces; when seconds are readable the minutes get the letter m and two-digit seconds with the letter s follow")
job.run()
4h14m31s
